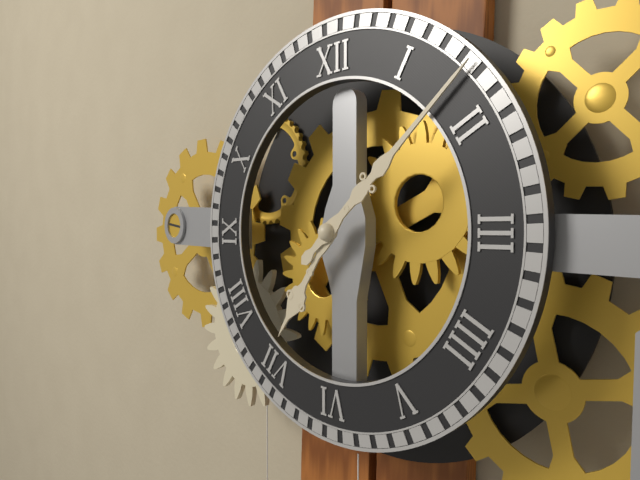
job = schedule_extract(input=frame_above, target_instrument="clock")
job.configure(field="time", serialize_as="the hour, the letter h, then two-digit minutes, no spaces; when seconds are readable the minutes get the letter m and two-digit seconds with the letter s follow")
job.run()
7h08
